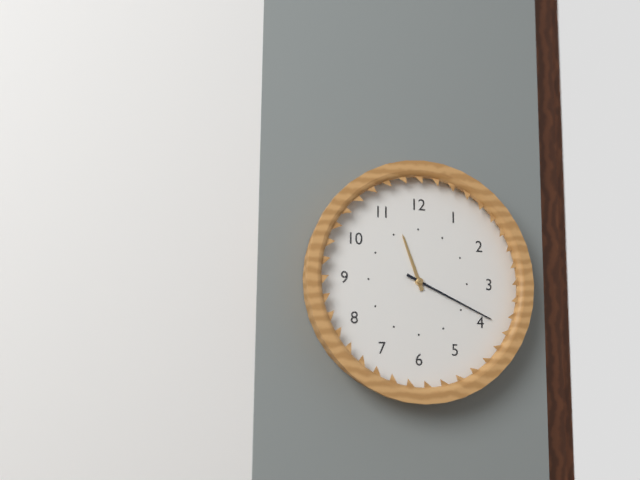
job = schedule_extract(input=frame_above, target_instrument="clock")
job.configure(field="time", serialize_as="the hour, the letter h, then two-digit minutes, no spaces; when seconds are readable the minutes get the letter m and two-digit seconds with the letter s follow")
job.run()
11h19
